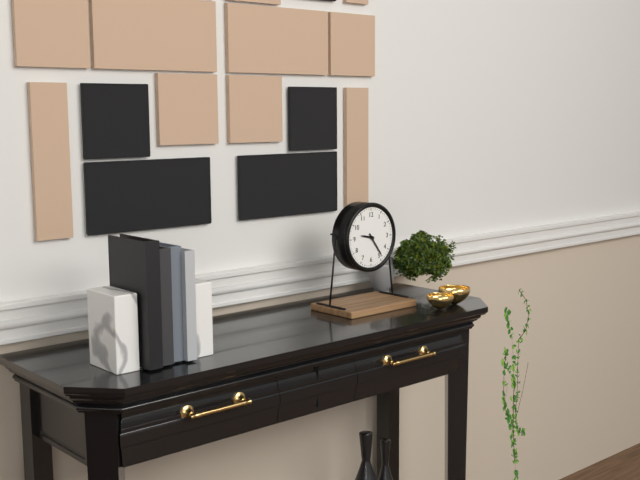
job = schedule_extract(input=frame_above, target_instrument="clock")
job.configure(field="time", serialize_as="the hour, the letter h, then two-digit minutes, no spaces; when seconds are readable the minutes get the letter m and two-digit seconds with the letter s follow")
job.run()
9h24
